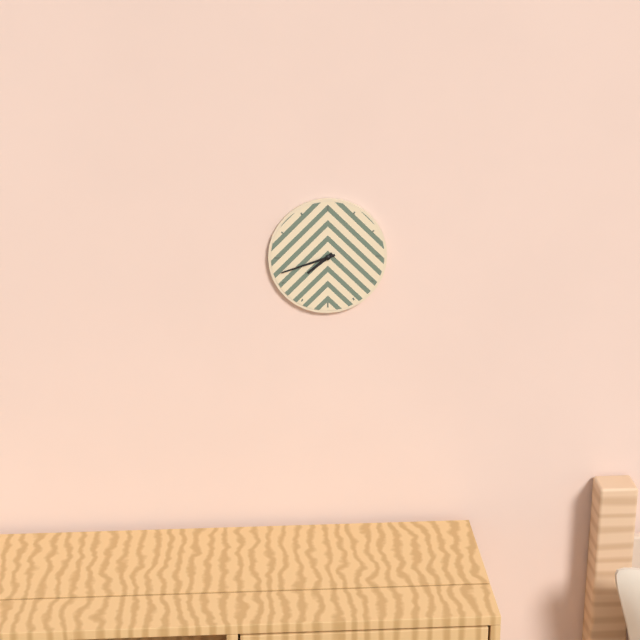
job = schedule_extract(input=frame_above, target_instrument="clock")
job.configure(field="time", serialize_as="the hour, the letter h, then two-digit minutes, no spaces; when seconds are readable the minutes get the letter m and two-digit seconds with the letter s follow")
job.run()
7h42
